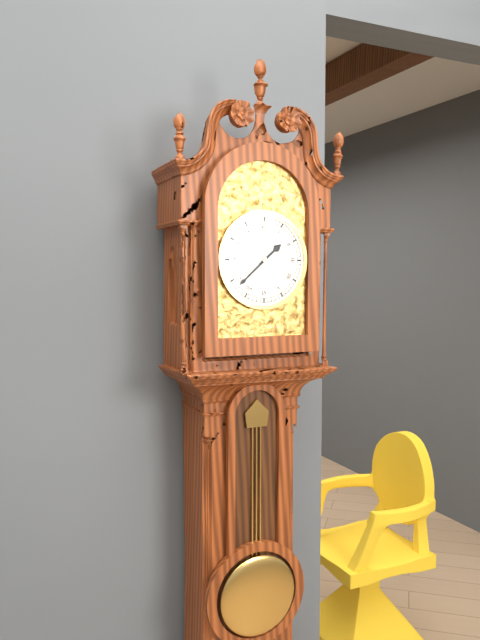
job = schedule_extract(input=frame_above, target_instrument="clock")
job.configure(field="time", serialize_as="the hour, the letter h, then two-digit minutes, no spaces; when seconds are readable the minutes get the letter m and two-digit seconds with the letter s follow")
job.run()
1h38
